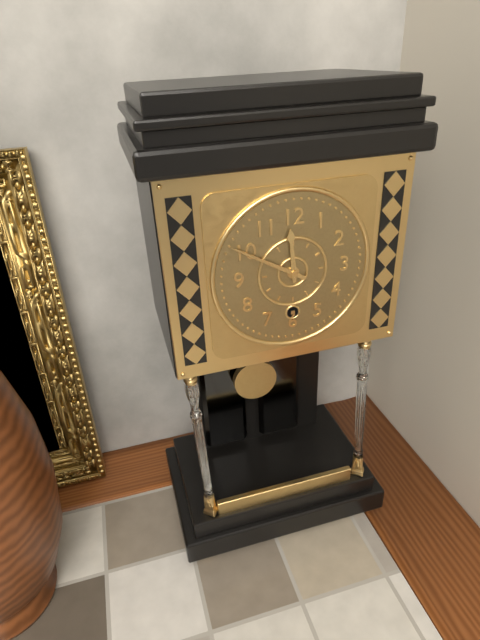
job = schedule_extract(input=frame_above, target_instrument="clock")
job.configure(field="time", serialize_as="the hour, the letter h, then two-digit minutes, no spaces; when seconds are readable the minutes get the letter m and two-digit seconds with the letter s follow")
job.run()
11h50
